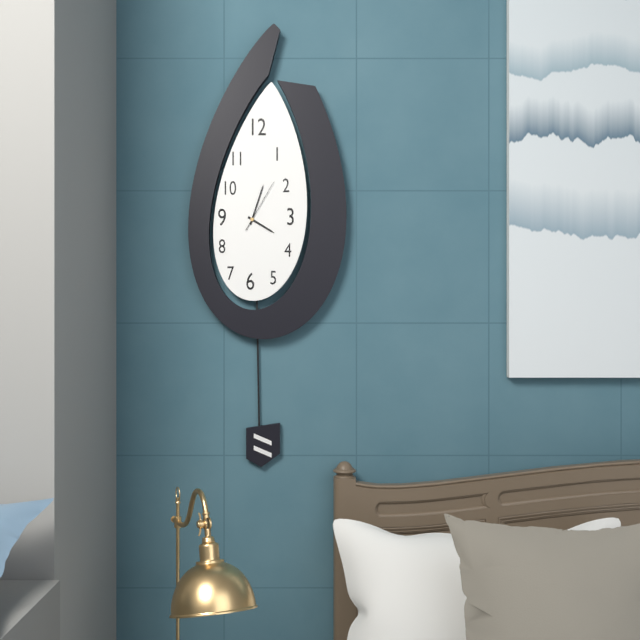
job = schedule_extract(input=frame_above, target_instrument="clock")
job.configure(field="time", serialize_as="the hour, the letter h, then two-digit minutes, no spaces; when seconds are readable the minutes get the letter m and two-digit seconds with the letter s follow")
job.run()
4h03m05s
